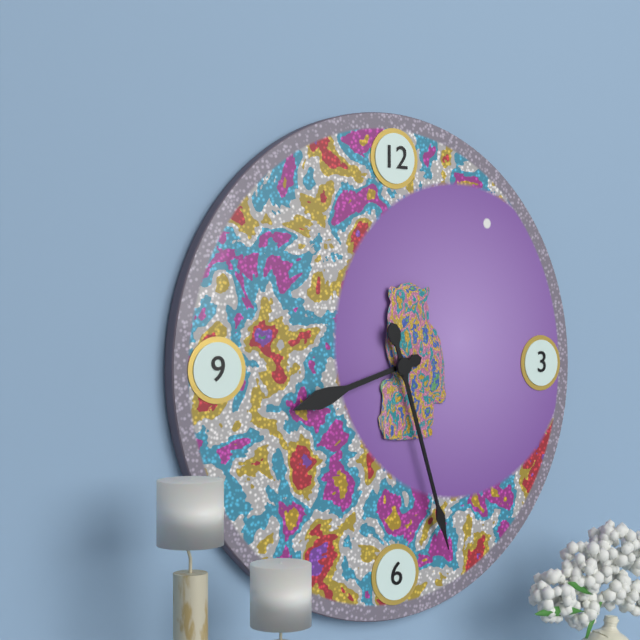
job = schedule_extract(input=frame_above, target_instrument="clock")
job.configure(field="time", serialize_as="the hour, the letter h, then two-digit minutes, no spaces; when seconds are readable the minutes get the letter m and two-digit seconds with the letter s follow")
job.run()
8h27
